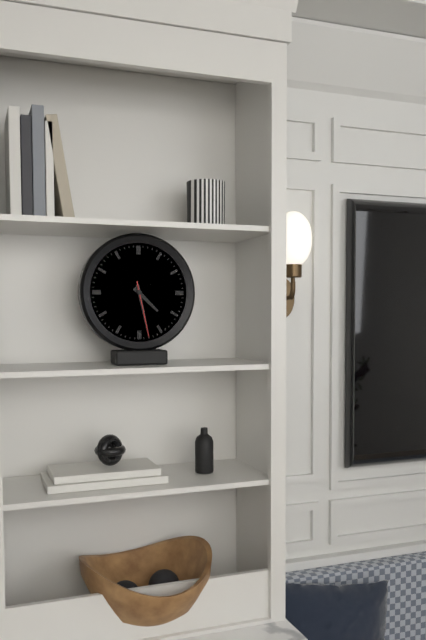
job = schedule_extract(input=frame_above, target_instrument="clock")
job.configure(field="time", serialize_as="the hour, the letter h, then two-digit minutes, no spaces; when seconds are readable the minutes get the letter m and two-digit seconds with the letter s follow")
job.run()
4h28m28s
